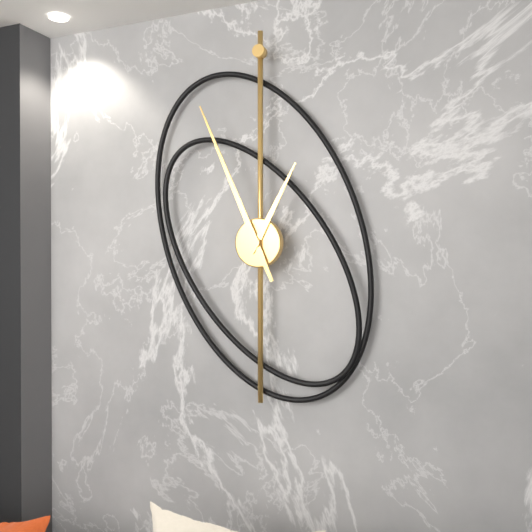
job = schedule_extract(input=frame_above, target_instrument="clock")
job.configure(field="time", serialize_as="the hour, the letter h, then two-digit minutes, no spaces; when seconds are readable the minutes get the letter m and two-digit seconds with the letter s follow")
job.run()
12h56
